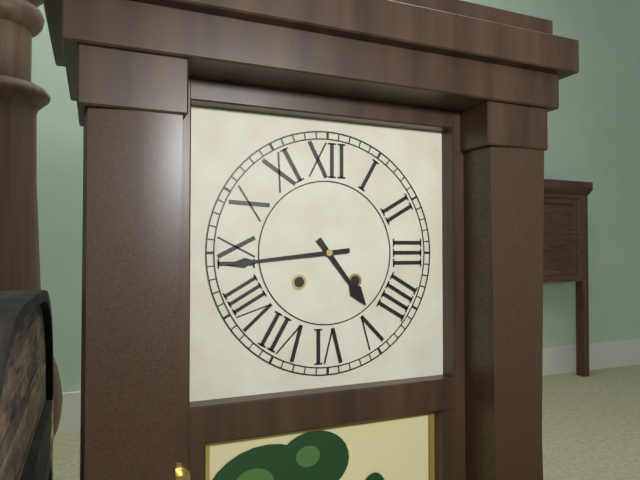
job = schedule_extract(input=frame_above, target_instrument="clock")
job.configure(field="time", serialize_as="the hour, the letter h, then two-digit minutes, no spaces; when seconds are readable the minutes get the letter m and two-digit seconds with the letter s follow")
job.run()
4h44
